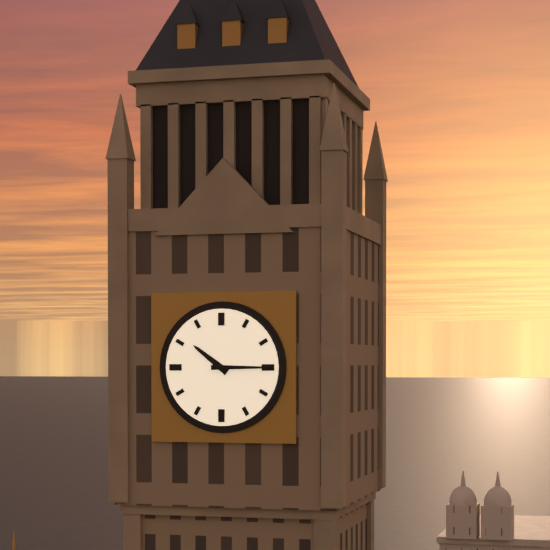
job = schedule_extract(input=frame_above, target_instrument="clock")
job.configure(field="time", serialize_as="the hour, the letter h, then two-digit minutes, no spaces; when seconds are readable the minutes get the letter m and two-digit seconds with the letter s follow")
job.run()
10h15
